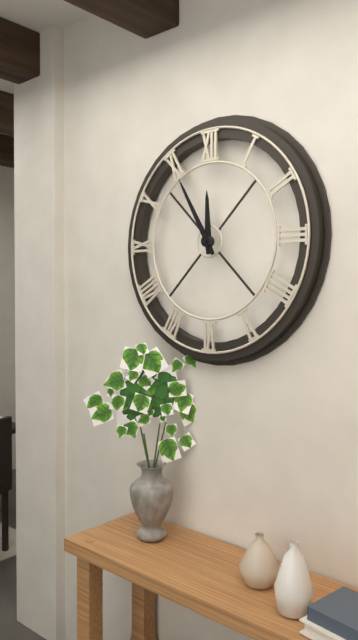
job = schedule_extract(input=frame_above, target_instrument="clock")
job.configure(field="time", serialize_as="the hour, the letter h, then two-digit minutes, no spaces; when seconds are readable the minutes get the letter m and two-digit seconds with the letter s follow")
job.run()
11h55
